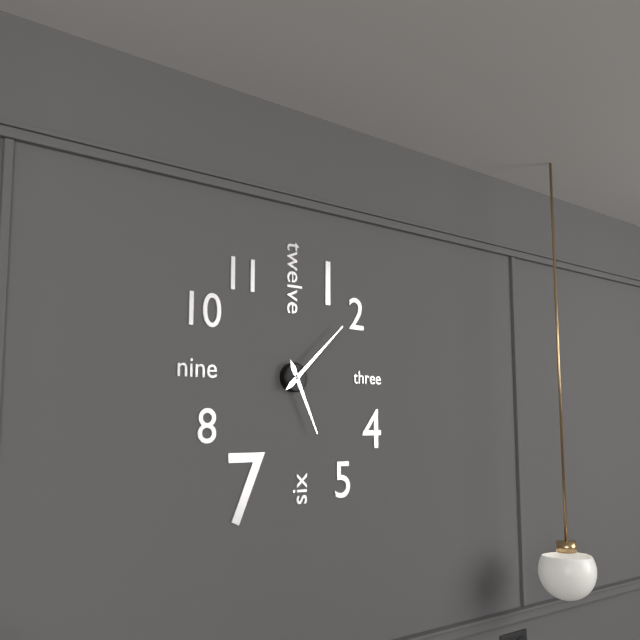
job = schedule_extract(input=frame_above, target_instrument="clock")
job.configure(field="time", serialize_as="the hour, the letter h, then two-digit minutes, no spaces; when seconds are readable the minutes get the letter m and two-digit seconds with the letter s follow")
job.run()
5h08
